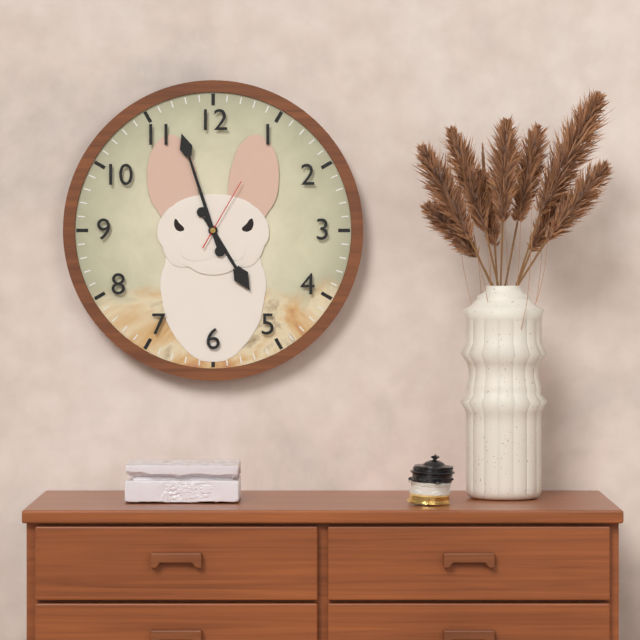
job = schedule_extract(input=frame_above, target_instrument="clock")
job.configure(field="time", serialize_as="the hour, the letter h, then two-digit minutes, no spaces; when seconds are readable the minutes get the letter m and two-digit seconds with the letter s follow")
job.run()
4h57m05s
